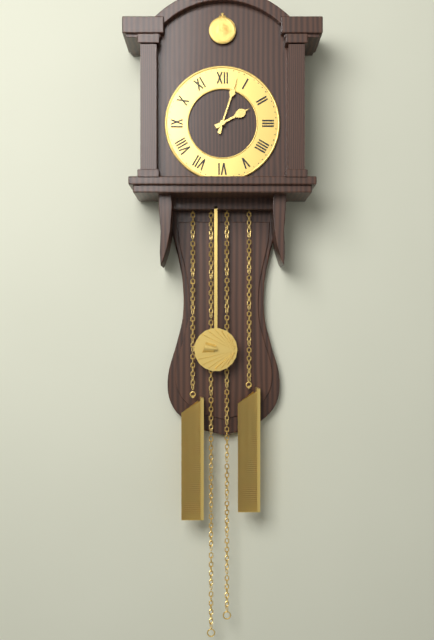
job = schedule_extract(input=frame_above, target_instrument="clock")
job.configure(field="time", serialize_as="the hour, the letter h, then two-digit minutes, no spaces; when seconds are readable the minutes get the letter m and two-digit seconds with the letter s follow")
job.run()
2h03
